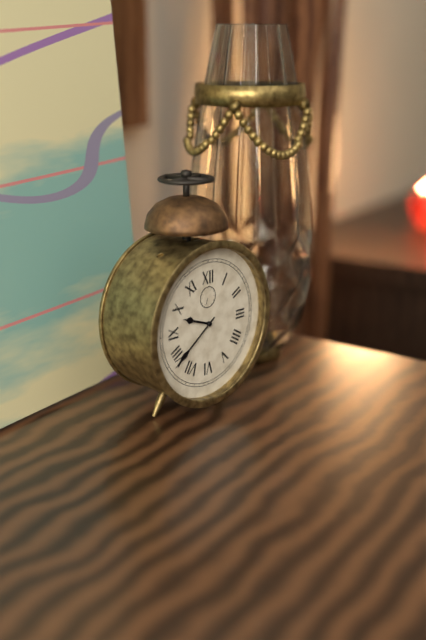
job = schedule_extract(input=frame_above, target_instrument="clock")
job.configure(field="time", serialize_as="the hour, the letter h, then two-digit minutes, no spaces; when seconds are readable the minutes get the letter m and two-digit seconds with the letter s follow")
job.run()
9h39
